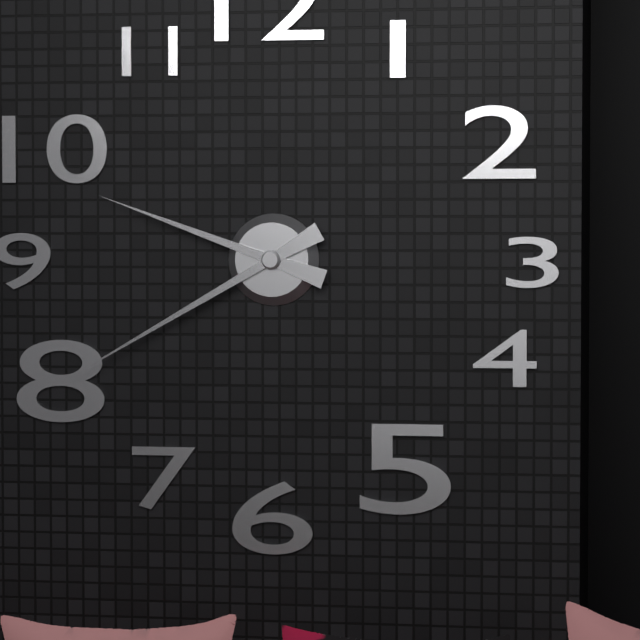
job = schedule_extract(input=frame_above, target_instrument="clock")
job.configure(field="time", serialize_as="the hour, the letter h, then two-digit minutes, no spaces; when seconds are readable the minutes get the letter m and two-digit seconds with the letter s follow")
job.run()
9h40
